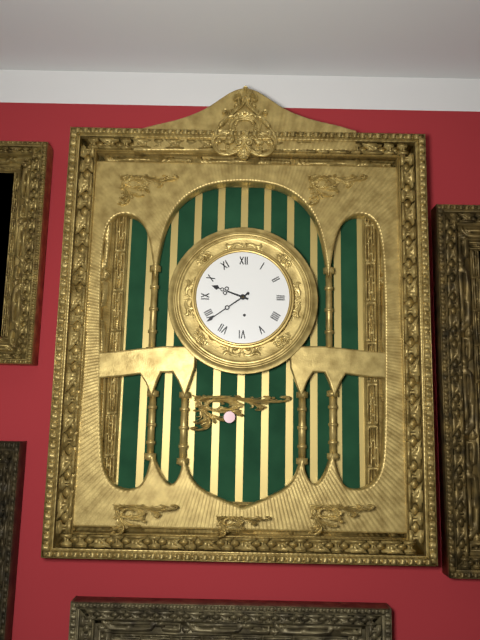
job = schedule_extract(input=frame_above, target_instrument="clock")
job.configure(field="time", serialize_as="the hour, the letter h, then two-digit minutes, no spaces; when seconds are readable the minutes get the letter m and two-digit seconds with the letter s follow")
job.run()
9h39
